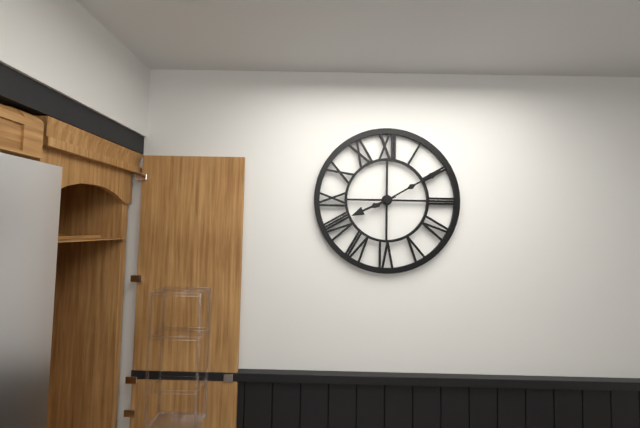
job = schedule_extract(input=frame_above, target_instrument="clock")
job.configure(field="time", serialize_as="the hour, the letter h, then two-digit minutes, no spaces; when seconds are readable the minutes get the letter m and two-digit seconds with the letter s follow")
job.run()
8h10
